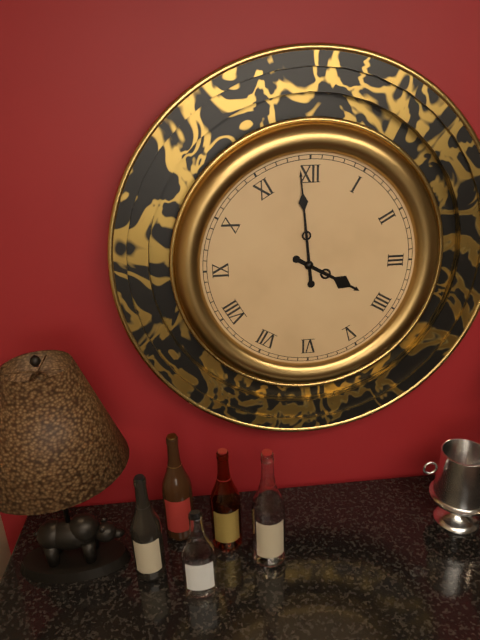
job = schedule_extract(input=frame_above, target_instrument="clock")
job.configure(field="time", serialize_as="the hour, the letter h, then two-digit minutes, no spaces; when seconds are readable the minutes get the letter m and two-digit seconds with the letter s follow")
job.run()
3h59
